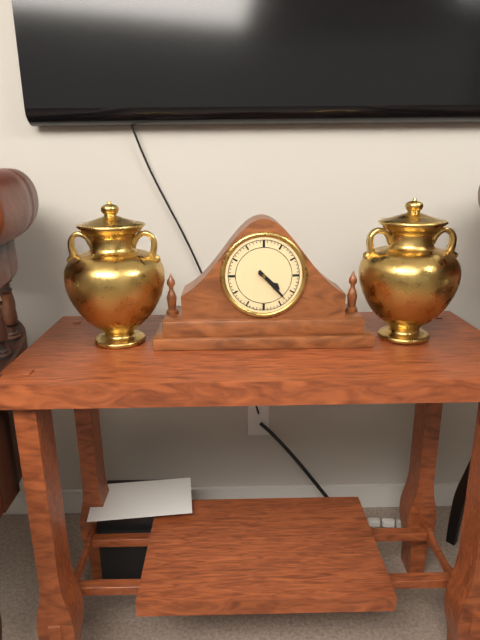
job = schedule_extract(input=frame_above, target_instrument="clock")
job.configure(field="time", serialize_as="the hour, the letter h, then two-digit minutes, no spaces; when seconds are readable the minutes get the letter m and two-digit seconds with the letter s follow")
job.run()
4h23
